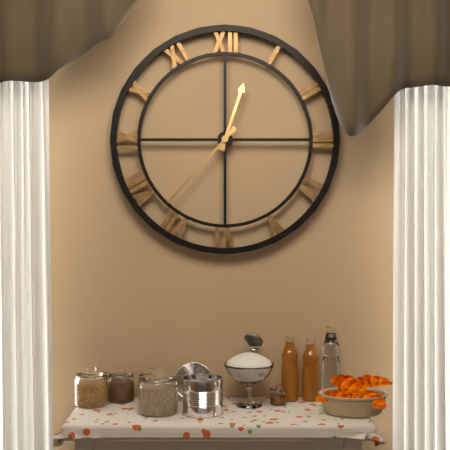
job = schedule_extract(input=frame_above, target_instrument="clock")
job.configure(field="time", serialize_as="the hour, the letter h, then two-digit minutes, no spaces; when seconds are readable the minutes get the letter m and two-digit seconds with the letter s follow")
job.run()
12h37
